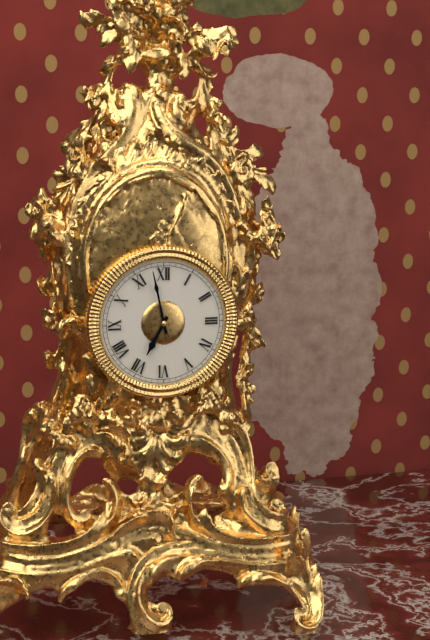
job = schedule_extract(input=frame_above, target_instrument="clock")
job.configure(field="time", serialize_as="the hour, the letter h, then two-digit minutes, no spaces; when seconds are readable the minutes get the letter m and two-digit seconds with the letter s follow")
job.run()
6h58
